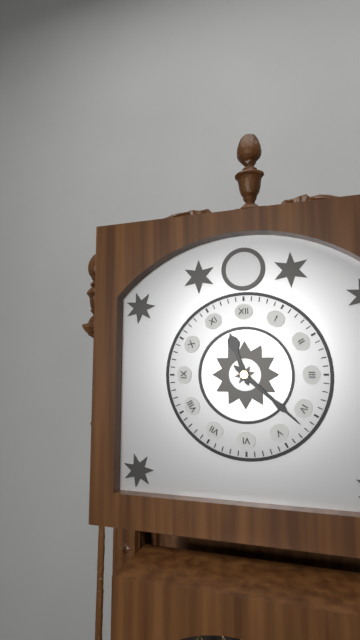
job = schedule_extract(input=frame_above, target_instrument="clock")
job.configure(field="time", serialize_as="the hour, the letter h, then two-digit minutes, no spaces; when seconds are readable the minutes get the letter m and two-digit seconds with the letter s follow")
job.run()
11h22
